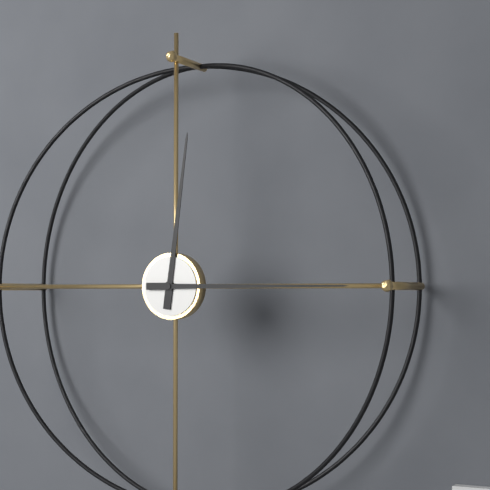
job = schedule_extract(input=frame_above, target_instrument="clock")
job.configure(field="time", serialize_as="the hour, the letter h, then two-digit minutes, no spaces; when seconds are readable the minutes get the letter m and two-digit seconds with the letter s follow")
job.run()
12h15
